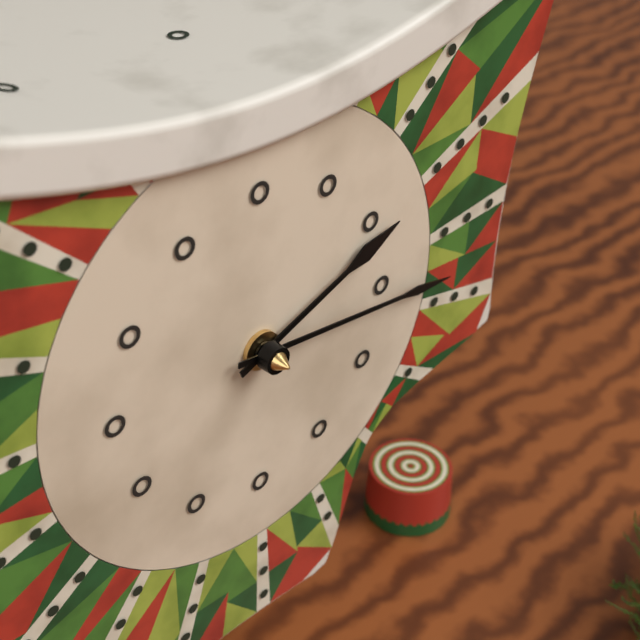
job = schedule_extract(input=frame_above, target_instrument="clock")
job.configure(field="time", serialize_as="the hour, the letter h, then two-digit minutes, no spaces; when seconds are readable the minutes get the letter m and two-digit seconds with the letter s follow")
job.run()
2h16
